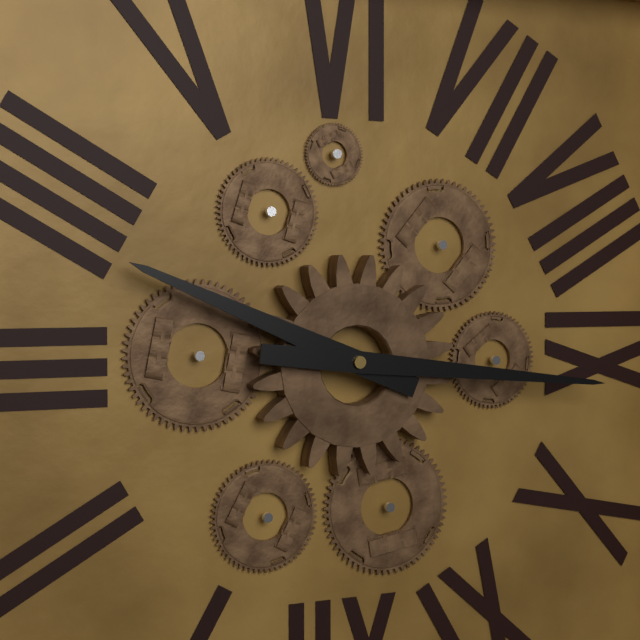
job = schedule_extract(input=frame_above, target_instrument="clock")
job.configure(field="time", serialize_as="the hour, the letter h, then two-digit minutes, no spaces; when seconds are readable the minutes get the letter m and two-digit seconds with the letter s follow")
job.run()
3h46
